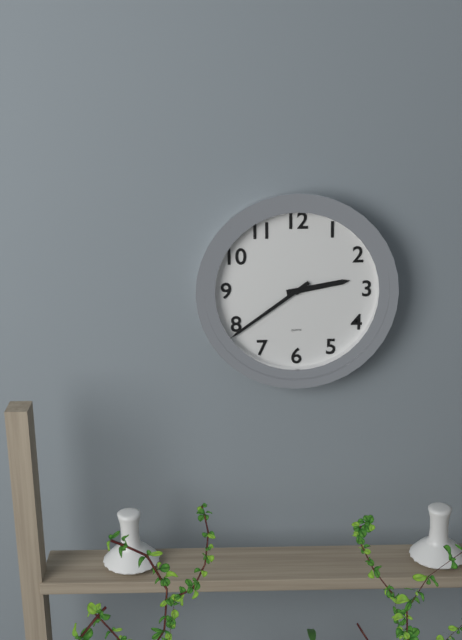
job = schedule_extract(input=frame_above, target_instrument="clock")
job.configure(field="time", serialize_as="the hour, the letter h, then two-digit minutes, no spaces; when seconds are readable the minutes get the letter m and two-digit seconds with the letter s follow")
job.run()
2h39
